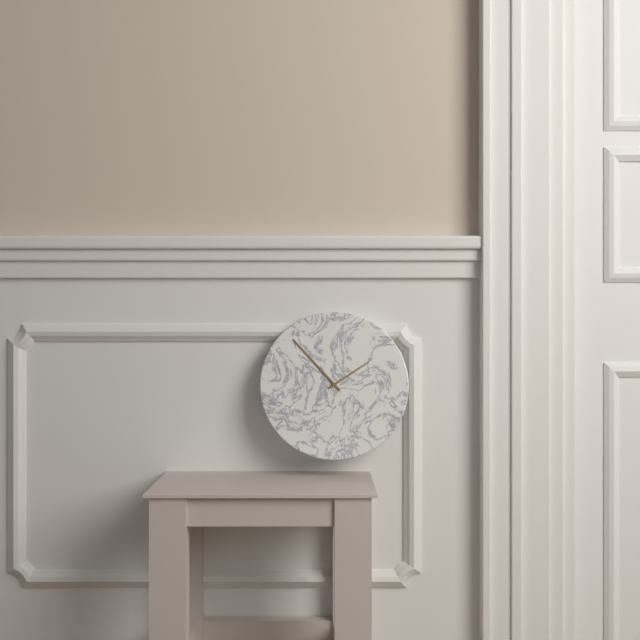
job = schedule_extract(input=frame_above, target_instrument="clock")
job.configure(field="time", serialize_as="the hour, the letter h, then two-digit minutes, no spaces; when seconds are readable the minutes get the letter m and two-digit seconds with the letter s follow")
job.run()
1h53
